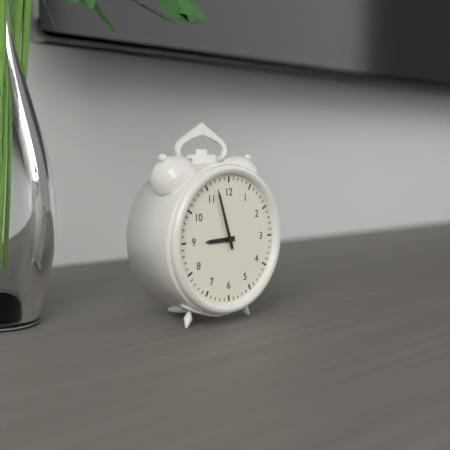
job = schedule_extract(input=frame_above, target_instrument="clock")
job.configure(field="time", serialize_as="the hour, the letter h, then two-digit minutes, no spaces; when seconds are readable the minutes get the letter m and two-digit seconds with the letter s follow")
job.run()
8h57
